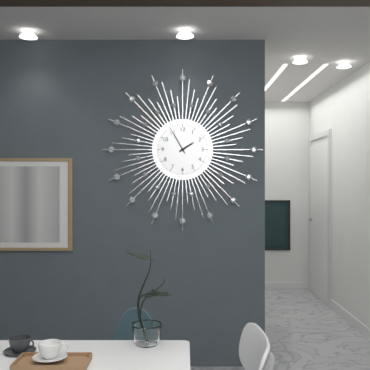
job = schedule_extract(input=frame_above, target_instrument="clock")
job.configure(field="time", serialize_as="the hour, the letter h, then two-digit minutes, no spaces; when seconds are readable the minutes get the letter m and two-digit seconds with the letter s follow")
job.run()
1h55
